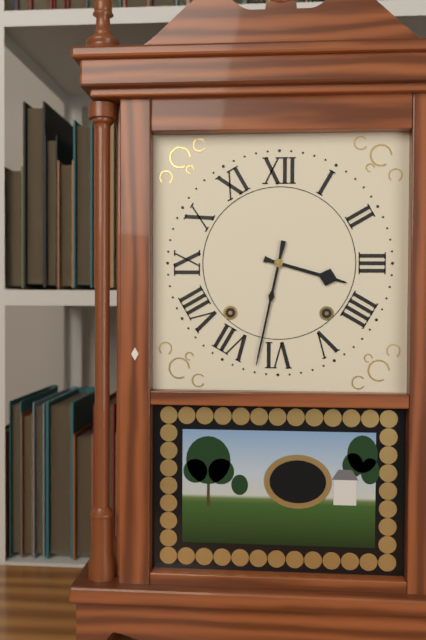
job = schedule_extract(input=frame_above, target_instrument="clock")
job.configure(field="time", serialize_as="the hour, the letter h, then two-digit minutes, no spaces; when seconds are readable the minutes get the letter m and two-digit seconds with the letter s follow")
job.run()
3h32
